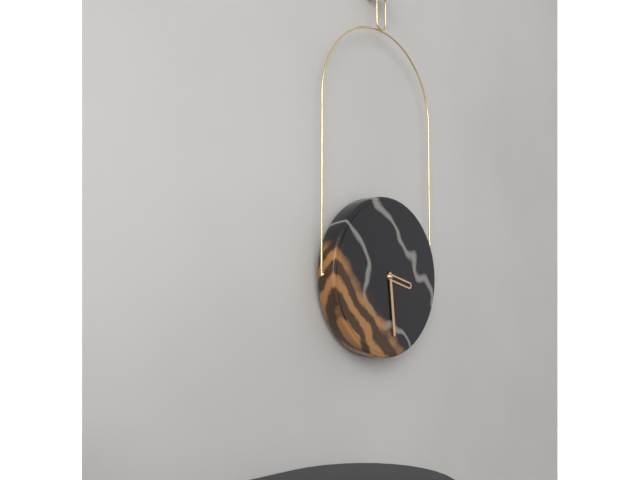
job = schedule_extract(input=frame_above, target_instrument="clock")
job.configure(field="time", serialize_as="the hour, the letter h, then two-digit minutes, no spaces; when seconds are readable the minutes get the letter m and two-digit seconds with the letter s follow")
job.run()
3h29
